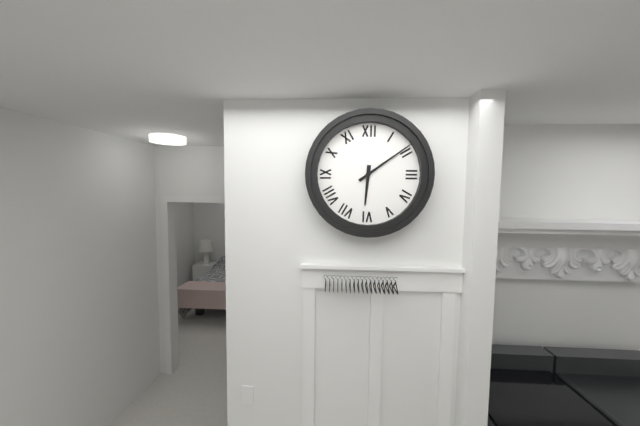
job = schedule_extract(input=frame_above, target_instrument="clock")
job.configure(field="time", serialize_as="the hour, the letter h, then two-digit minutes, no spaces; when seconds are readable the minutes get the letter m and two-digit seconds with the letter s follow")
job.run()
6h09
